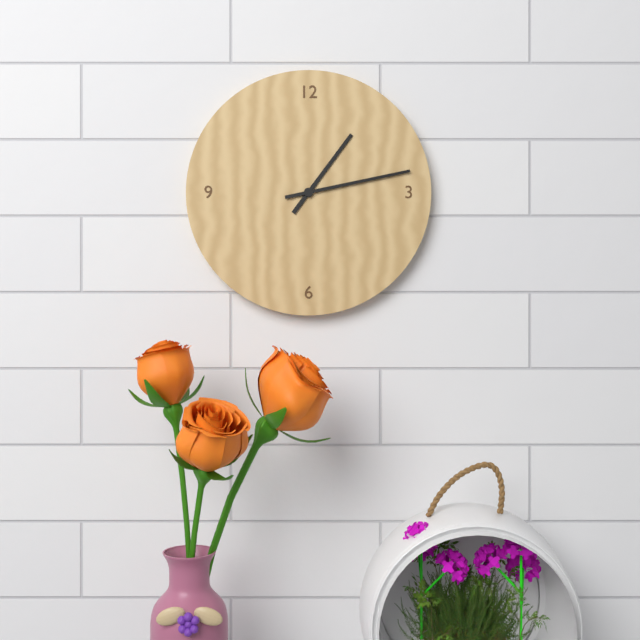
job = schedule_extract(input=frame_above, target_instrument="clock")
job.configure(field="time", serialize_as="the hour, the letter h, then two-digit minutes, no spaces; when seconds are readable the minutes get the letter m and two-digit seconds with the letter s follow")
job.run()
1h13
